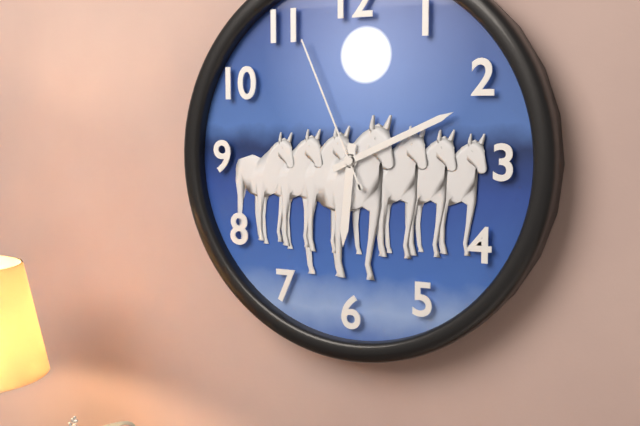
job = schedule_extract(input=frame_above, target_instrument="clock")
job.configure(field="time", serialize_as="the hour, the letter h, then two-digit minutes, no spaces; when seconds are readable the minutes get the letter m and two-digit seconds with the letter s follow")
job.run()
6h11m56s
